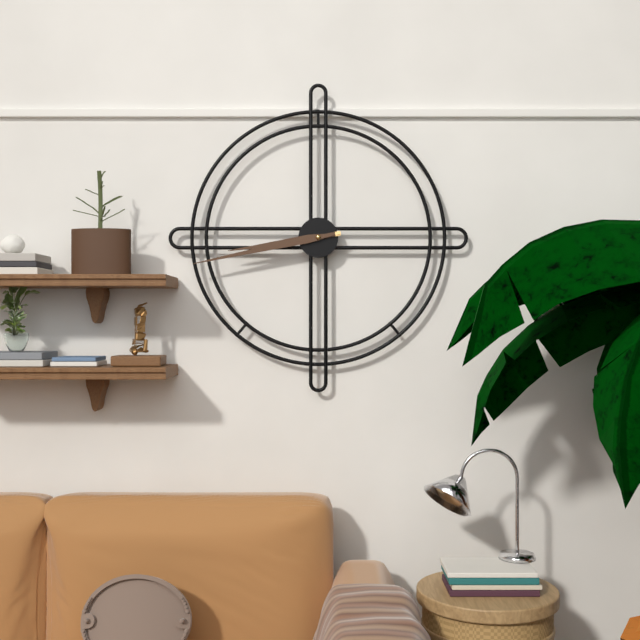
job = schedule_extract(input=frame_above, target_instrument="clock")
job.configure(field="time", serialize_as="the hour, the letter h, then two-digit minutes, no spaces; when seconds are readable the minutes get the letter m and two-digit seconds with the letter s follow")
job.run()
8h43
